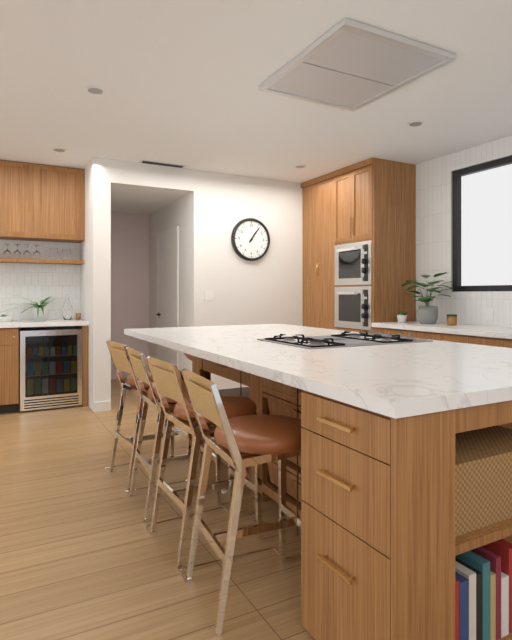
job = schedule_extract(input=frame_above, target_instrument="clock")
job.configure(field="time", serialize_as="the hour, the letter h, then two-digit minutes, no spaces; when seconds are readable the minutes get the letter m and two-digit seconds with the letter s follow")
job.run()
1h06
